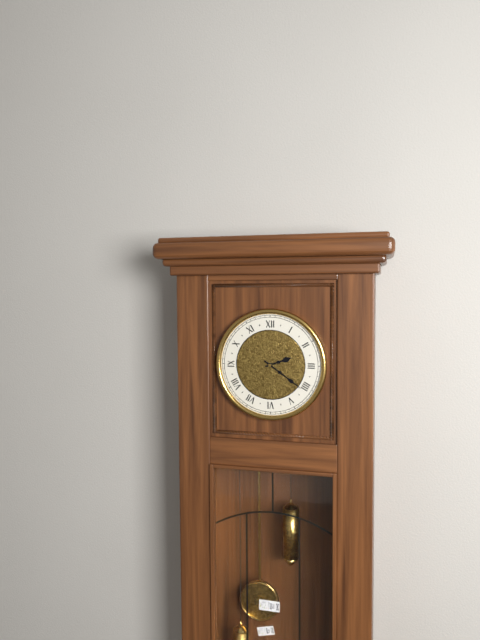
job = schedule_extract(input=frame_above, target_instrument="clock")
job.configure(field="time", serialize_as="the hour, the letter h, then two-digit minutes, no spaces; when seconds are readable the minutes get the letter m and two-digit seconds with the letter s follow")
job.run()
2h21
